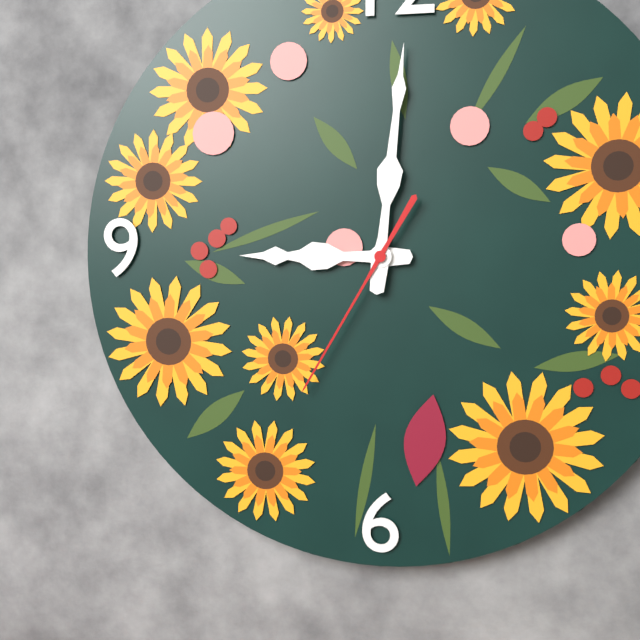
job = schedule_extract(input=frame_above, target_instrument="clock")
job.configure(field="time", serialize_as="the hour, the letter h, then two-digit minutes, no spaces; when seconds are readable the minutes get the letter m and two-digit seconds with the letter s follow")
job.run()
9h01m35s
